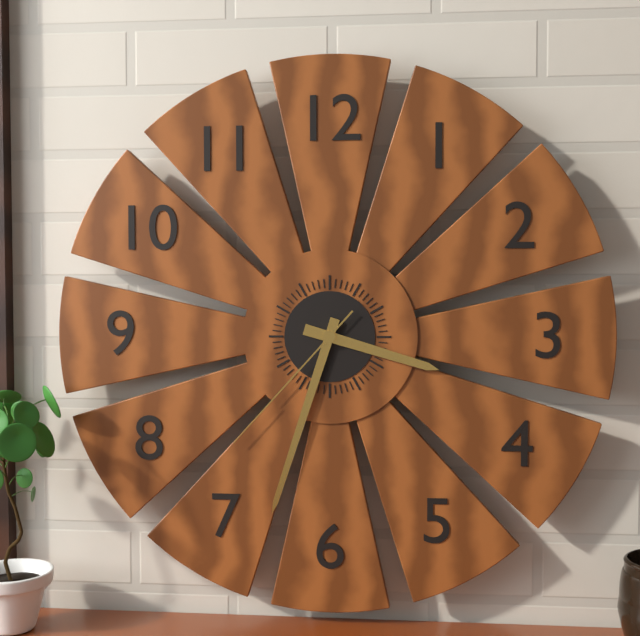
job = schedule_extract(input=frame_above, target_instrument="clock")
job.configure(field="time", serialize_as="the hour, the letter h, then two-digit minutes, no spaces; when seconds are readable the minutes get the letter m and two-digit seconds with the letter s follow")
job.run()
3h33m37s
